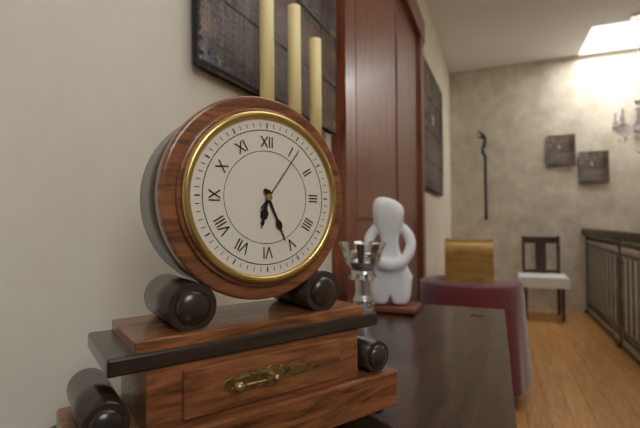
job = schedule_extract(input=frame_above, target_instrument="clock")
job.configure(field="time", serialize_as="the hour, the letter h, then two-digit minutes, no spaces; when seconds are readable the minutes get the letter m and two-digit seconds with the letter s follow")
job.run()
6h26m06s
